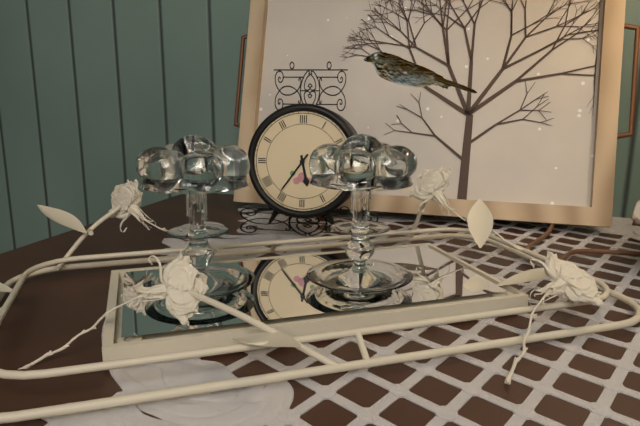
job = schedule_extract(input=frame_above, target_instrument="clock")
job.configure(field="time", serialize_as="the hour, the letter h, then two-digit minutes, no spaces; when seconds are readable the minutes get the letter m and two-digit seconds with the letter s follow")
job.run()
5h36
